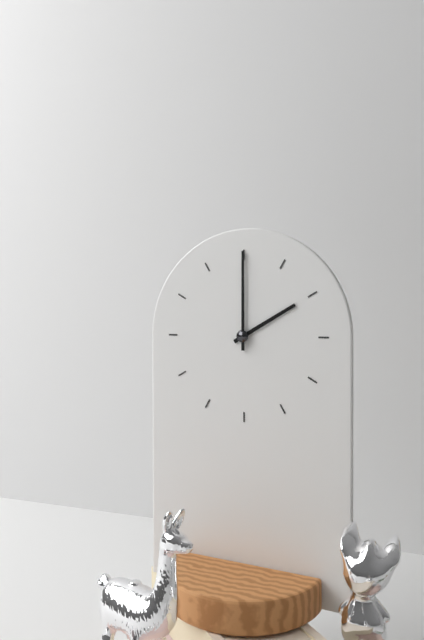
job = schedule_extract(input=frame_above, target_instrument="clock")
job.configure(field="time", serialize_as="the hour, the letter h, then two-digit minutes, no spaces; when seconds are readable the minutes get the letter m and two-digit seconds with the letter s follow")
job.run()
2h00
